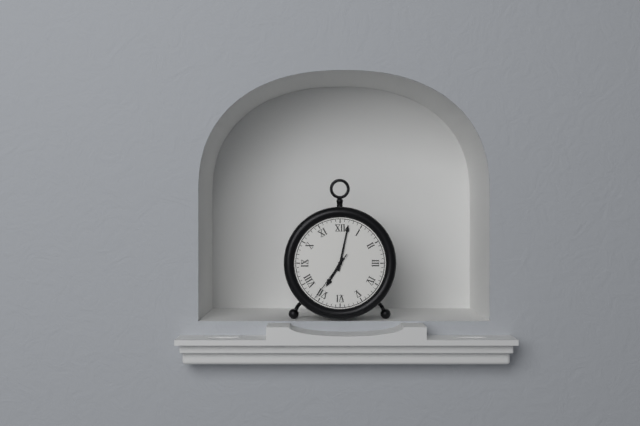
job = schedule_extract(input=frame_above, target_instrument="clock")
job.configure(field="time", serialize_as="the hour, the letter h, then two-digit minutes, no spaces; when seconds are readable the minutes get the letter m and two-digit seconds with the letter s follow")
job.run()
7h02m36s
